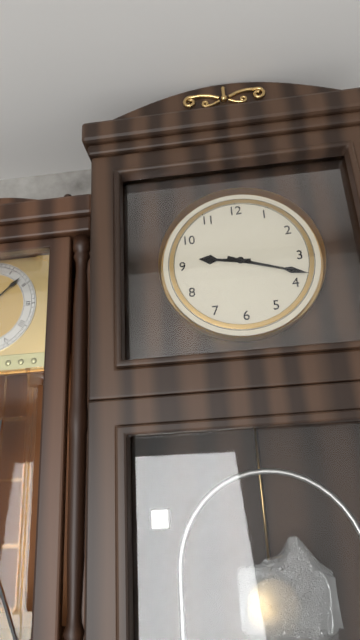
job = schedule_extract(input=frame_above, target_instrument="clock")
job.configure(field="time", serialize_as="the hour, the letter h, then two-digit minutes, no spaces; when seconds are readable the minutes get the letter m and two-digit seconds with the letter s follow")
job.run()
9h18
